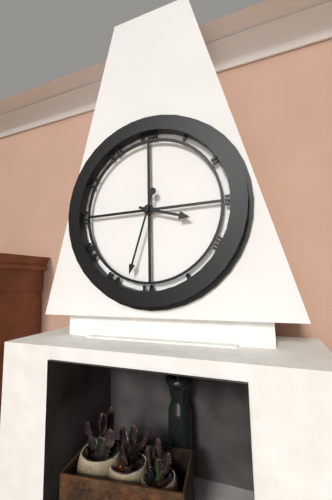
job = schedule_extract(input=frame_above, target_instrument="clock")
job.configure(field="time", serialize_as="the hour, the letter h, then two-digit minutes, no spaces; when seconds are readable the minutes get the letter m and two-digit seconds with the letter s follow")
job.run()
3h33
